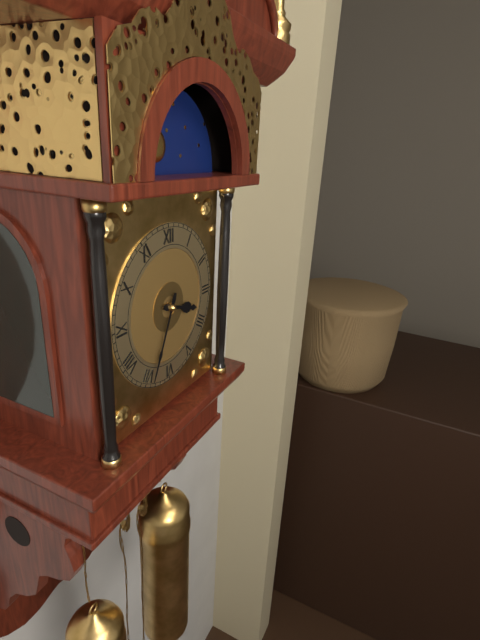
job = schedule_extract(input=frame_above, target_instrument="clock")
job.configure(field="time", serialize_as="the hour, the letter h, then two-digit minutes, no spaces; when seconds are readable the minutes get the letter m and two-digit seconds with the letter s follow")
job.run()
3h34
